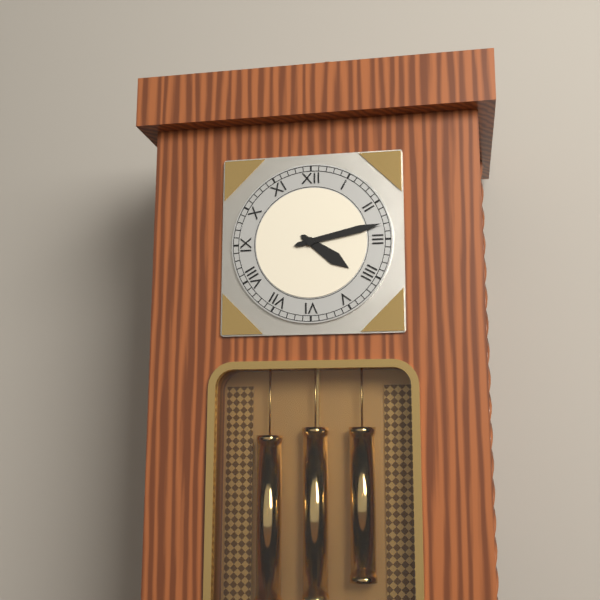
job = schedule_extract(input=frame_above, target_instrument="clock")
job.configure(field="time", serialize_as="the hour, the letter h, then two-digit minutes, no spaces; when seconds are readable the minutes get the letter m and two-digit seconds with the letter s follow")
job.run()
4h13
